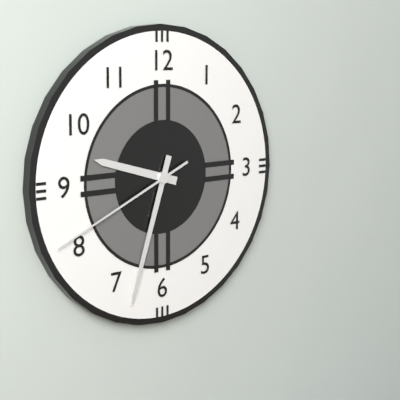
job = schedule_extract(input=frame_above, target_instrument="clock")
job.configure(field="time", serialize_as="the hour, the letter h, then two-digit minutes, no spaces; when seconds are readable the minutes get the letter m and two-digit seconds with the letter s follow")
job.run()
9h33m41s
